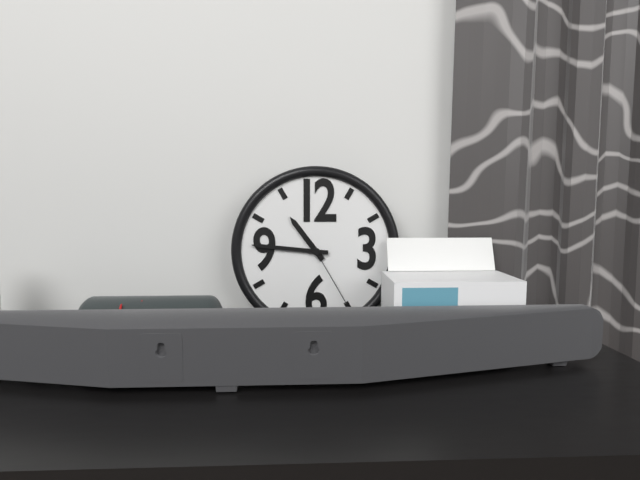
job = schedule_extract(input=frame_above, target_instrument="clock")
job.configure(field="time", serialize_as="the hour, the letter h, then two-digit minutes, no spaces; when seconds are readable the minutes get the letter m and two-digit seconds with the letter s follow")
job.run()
10h46m25s
